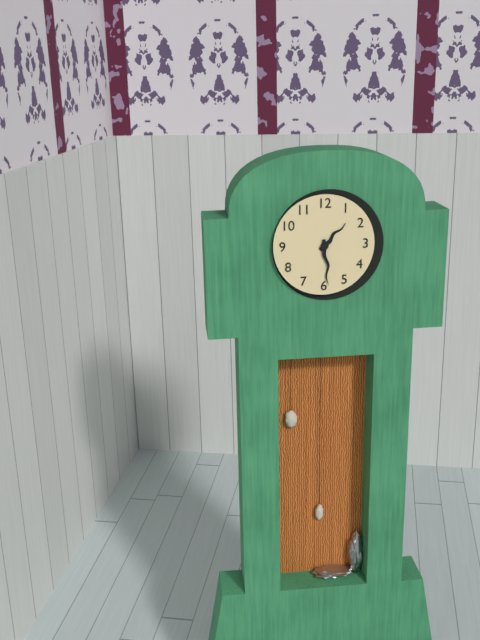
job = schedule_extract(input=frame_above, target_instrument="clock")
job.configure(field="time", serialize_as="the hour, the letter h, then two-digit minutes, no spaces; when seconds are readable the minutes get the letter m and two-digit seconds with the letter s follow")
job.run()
1h29
